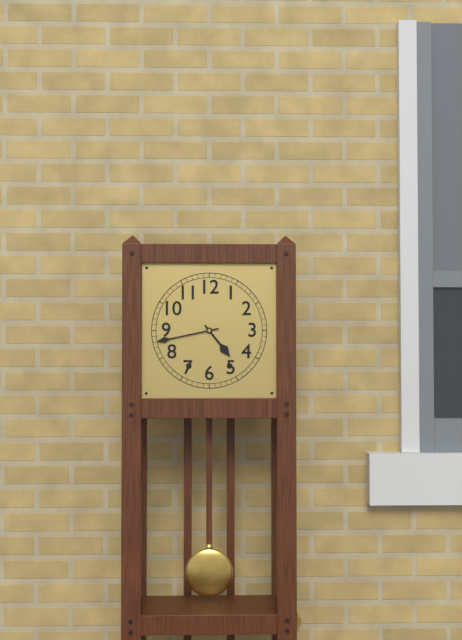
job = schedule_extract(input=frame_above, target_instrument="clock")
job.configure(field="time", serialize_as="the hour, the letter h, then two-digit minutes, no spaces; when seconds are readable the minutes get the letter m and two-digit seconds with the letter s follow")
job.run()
4h43
